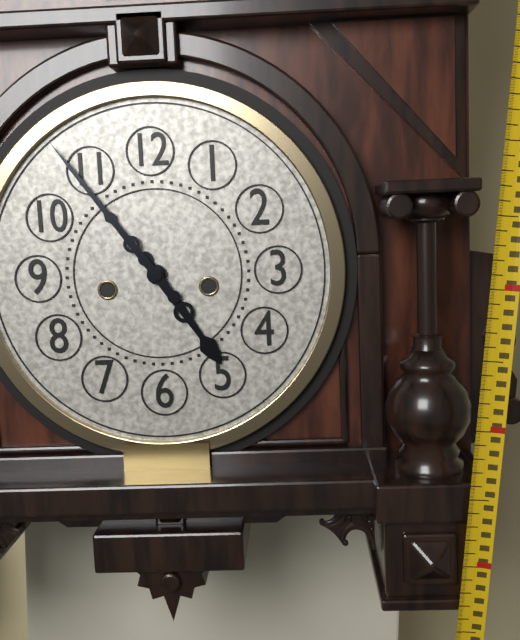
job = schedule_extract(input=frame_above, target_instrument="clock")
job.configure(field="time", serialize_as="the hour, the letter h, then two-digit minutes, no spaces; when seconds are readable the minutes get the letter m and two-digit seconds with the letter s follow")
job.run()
4h54
